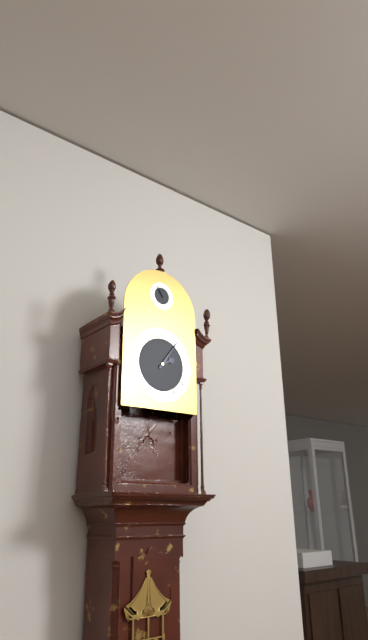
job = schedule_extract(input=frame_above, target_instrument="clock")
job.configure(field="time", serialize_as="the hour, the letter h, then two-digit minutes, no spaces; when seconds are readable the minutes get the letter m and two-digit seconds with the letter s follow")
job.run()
2h06
